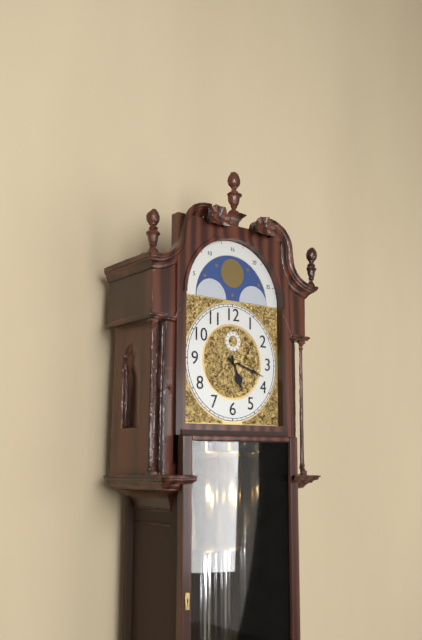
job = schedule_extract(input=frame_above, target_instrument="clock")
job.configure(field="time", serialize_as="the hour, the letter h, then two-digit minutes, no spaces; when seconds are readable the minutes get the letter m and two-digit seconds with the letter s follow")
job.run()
5h18
